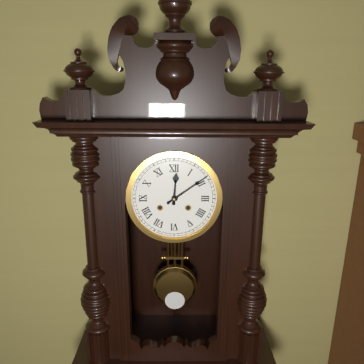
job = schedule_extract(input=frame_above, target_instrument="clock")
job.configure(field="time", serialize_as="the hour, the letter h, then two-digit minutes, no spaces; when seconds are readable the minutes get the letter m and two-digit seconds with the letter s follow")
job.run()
12h09
